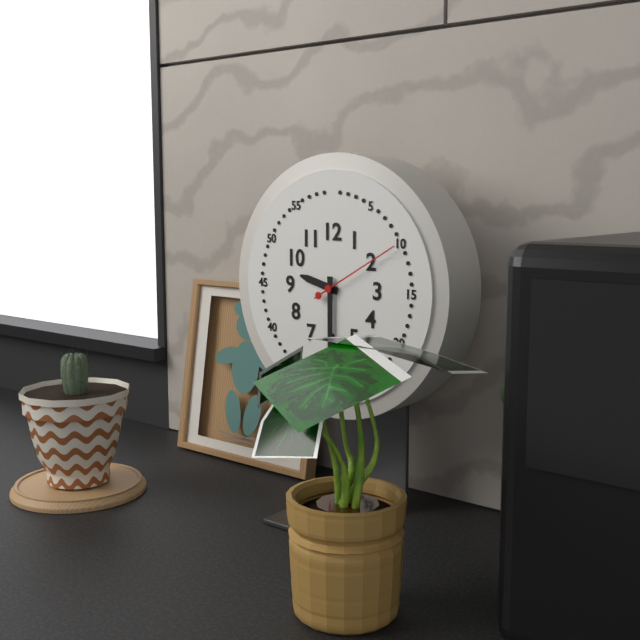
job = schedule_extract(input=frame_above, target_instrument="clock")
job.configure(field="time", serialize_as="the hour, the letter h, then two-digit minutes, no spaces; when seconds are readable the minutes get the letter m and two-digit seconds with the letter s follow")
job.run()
9h30m10s
